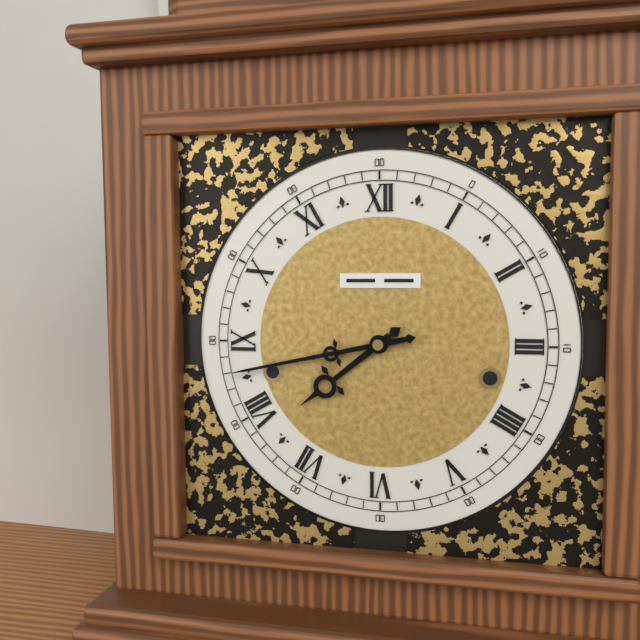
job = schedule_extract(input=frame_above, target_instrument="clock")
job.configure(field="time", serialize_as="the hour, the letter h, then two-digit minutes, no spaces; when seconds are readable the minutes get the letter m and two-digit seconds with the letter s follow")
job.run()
7h43
